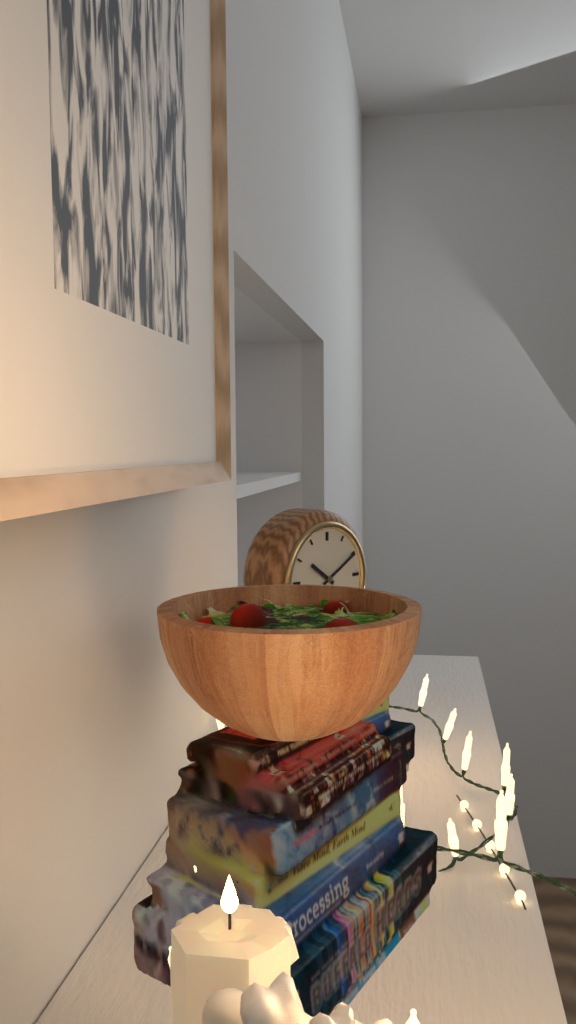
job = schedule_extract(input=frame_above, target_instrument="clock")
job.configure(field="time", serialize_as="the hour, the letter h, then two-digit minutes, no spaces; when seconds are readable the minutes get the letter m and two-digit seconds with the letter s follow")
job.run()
10h10
